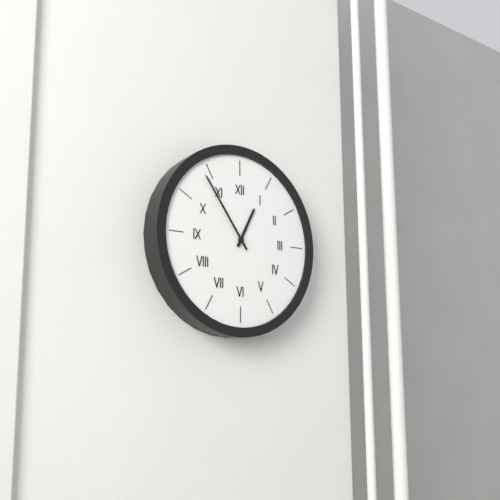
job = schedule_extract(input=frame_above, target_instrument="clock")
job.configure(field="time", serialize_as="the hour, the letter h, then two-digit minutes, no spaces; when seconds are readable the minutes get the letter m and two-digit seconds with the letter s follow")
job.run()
12h54
